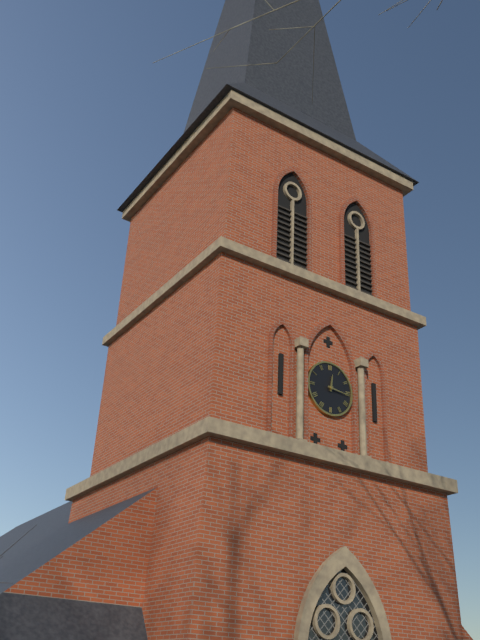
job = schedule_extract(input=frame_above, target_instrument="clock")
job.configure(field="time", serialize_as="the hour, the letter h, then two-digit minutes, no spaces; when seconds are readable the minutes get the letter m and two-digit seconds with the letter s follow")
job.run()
12h16
